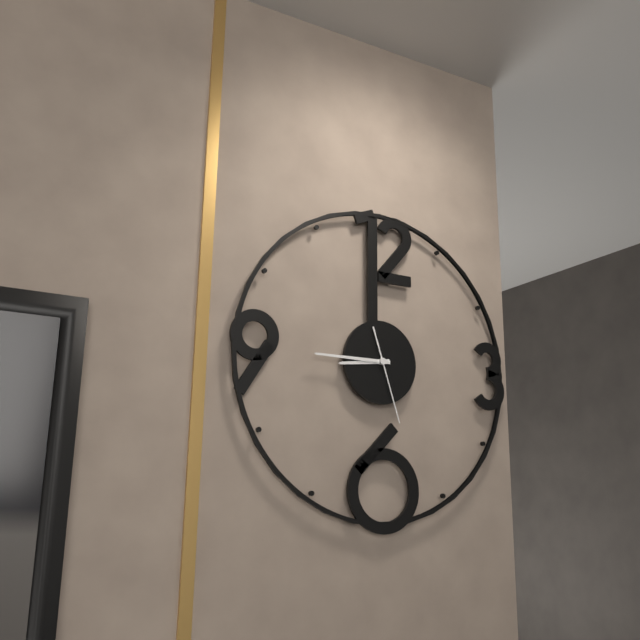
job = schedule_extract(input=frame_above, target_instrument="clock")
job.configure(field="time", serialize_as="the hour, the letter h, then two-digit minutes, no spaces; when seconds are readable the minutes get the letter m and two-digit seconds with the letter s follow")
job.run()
8h45m27s
